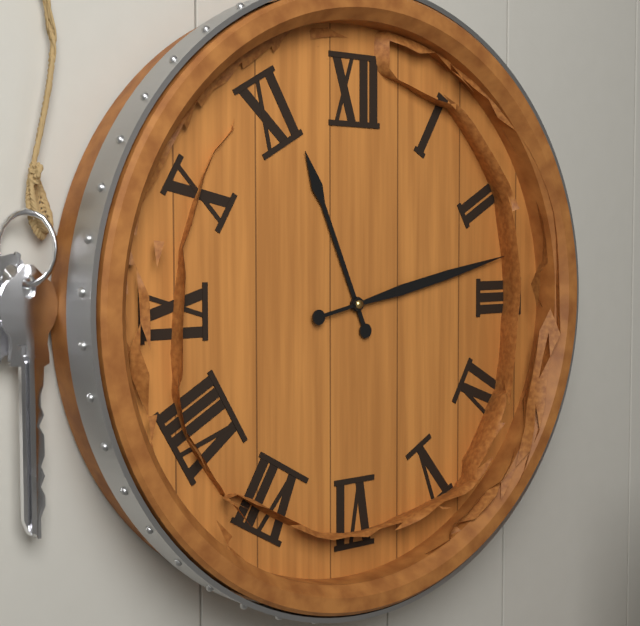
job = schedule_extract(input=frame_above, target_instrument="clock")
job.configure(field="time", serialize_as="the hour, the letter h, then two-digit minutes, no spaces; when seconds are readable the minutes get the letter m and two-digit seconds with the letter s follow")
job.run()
11h13
